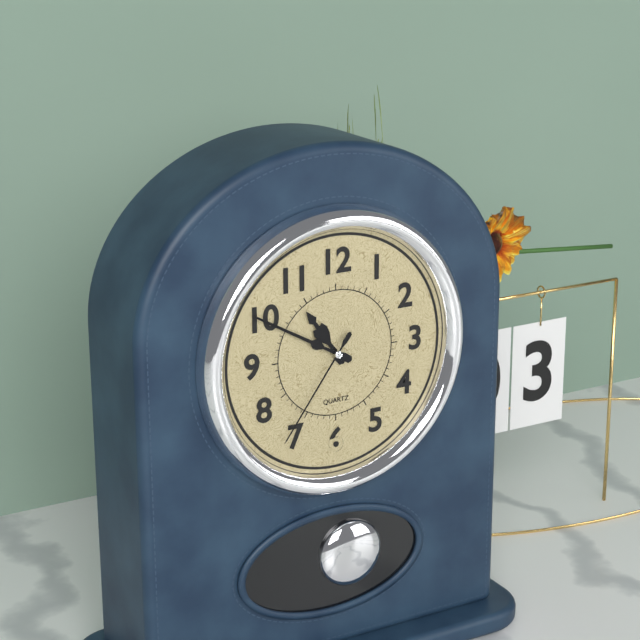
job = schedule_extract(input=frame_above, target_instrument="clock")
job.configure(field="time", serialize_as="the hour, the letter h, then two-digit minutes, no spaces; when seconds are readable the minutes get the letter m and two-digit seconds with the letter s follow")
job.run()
10h50m36s
